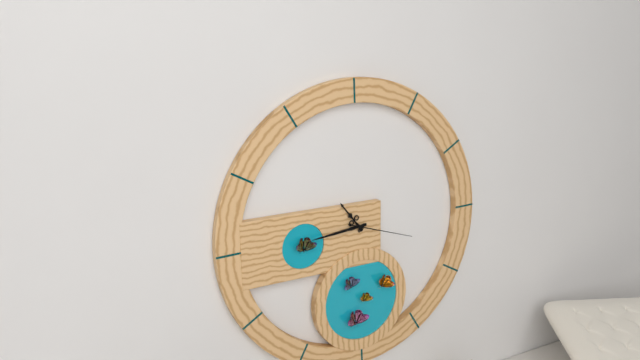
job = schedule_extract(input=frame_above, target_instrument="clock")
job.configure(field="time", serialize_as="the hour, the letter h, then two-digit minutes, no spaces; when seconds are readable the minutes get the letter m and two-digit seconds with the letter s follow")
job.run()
10h44m18s
